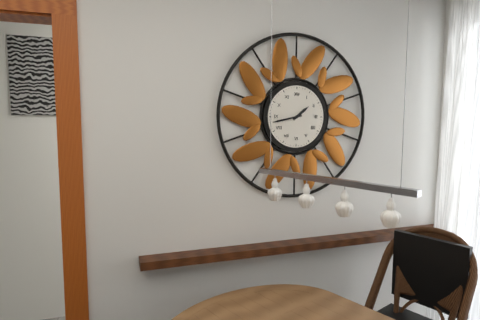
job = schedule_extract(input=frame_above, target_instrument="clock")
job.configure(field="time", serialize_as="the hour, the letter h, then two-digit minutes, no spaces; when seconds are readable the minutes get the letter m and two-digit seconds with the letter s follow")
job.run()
1h43
